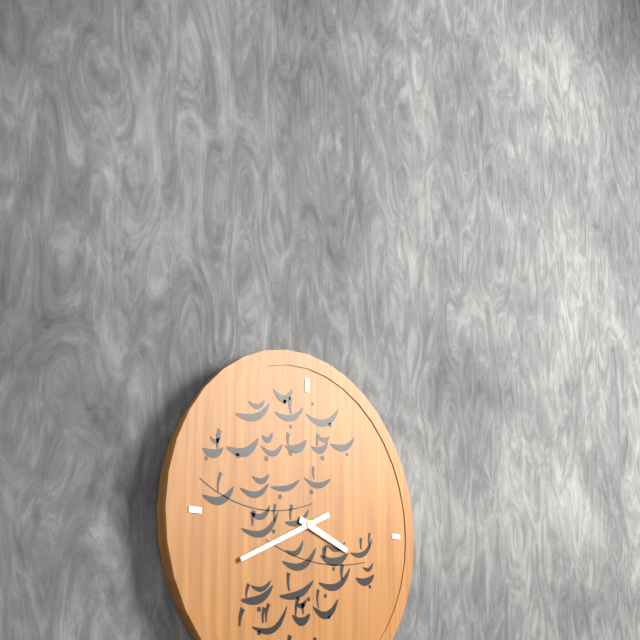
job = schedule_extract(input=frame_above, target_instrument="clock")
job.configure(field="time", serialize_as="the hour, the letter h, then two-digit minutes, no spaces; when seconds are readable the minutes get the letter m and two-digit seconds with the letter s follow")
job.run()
3h41
